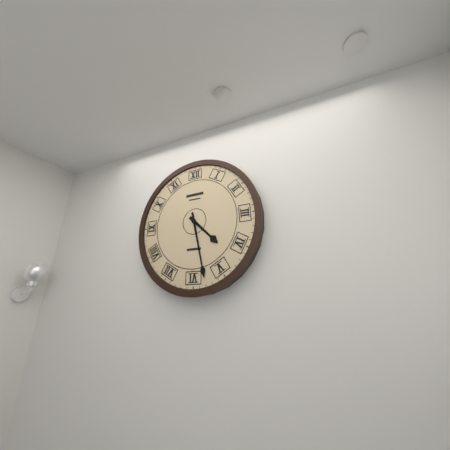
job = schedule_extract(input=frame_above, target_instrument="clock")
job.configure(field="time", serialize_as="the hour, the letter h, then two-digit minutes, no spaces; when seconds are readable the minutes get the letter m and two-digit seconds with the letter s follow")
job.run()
4h28
